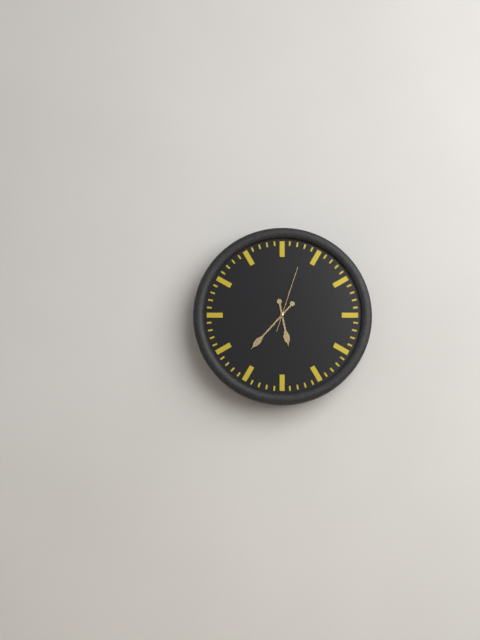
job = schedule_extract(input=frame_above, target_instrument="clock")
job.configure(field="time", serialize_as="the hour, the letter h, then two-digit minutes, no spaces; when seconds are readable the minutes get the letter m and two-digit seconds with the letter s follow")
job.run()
5h37m03s
